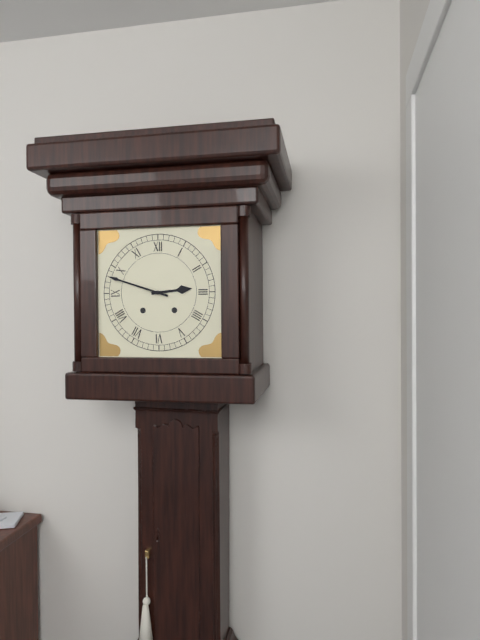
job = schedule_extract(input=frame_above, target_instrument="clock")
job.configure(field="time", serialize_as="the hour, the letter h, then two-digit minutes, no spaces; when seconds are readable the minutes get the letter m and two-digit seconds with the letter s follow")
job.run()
2h48
